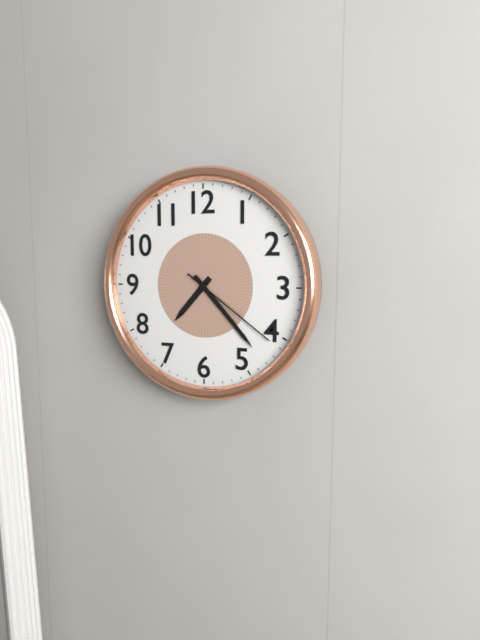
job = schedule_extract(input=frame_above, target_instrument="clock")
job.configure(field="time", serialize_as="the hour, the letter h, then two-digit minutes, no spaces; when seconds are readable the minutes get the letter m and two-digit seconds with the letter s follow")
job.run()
7h23m21s
